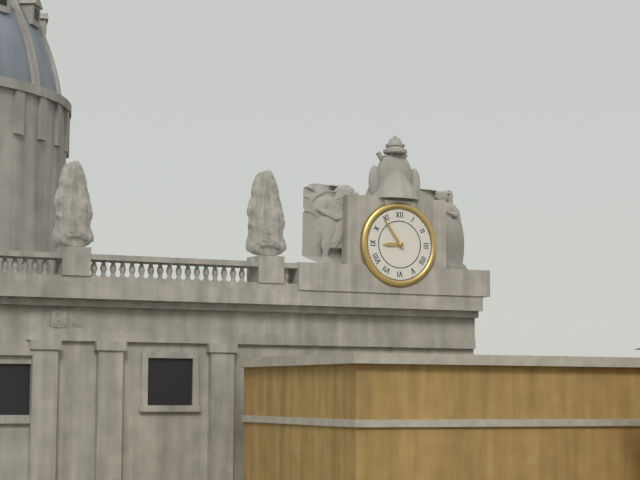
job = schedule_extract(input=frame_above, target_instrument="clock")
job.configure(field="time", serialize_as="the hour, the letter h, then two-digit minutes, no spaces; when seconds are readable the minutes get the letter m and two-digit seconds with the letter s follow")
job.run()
8h54
